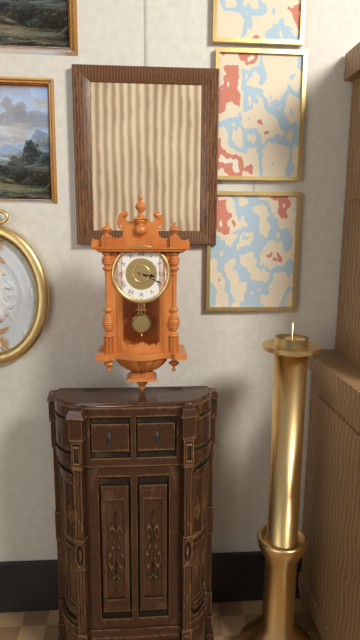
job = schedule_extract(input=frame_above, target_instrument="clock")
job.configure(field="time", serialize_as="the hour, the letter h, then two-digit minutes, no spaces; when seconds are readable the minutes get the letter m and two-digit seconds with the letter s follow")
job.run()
3h19
